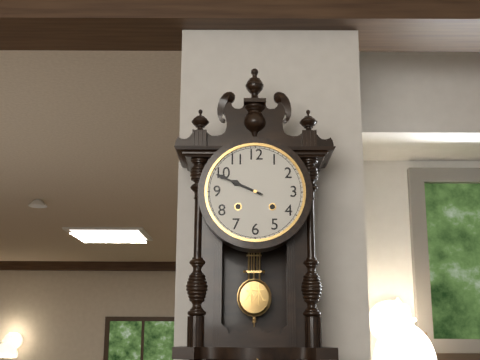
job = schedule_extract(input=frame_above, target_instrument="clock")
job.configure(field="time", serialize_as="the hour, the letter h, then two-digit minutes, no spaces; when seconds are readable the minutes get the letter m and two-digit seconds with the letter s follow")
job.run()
9h49
